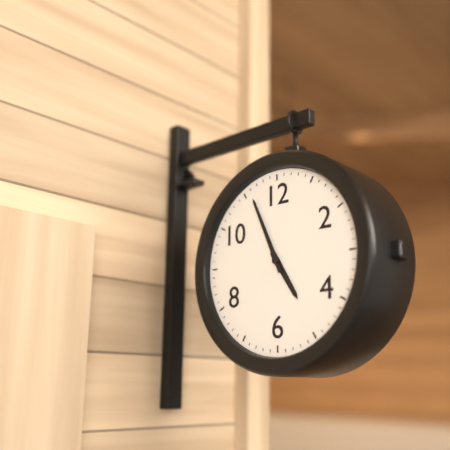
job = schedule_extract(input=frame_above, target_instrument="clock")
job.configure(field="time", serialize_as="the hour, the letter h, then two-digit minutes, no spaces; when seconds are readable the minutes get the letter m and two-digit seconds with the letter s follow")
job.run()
4h56
